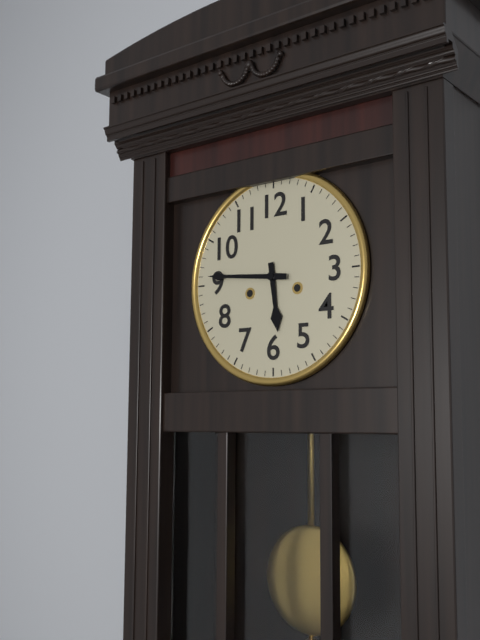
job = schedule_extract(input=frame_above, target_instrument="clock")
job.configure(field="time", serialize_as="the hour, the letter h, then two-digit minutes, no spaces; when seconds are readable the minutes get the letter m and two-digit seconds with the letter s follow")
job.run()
5h46
